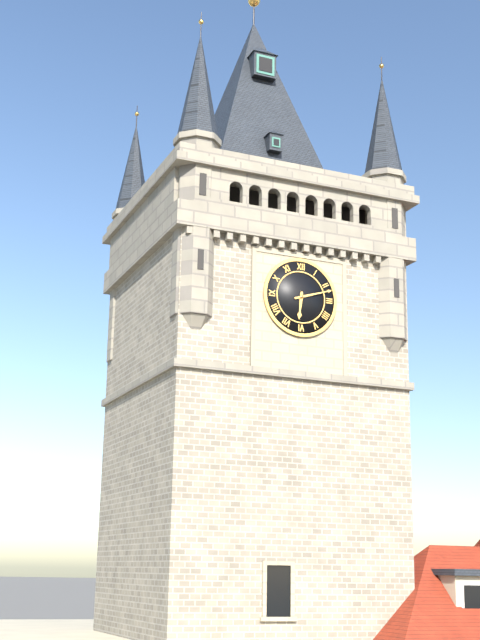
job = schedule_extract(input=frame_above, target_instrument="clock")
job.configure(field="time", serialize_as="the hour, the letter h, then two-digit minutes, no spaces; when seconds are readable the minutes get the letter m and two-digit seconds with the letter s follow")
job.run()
6h12
